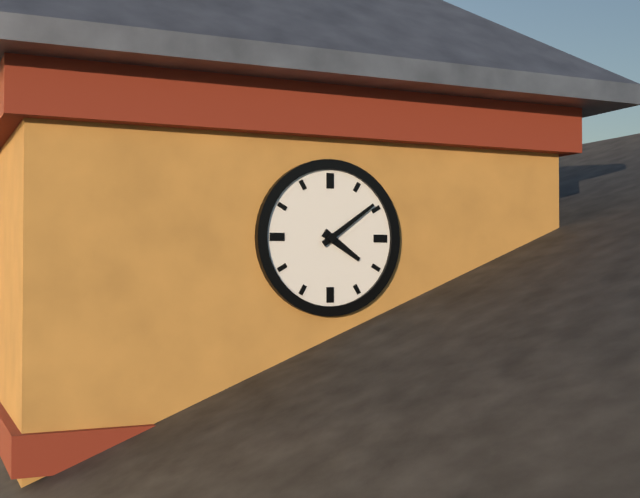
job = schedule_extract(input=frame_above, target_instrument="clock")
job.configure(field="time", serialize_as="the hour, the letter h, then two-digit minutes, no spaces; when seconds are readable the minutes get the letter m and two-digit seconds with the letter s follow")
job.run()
4h09
